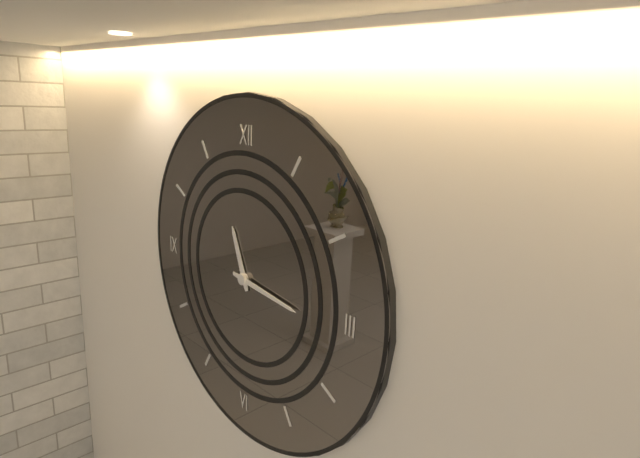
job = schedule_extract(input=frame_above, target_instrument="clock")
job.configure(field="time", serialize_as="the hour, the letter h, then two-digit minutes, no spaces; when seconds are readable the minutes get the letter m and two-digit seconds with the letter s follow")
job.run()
11h16
